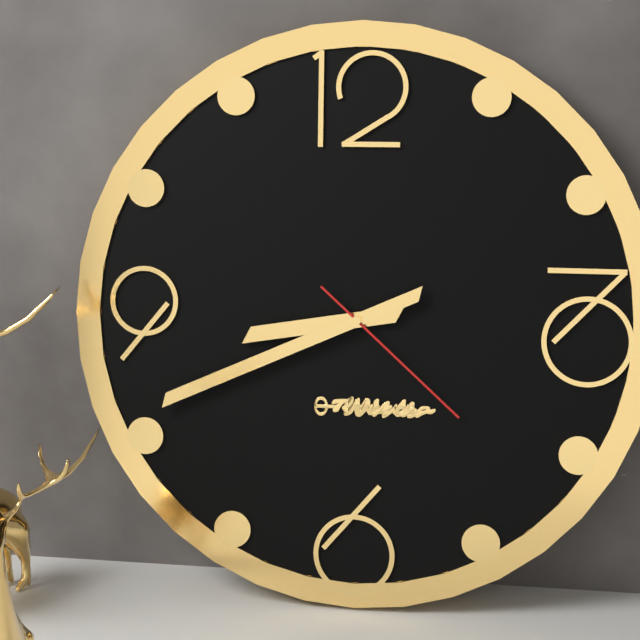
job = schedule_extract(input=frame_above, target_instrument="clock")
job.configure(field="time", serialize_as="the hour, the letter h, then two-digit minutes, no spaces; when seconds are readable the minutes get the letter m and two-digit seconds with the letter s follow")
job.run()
8h41m22s
